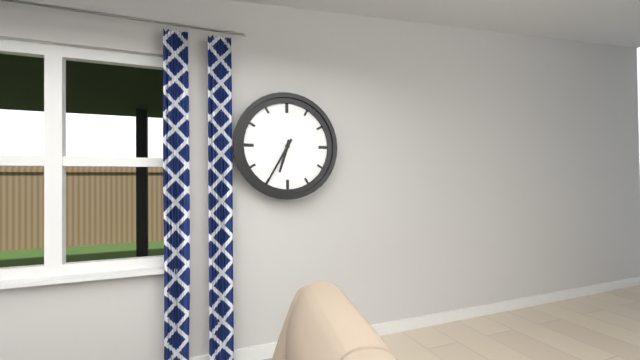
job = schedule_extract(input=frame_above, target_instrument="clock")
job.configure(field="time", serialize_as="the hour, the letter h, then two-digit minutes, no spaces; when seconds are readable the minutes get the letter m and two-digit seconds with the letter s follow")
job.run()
6h35
